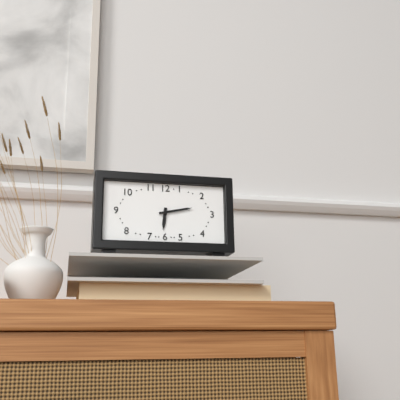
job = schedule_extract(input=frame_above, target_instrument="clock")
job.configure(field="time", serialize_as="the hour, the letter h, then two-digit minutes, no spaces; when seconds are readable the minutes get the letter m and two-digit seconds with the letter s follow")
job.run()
6h13
